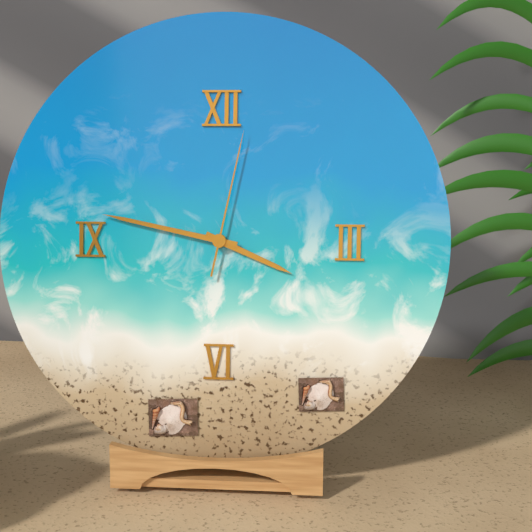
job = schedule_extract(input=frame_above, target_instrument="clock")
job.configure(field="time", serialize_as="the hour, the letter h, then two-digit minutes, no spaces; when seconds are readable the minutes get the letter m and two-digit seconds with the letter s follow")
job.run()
3h47m02s
